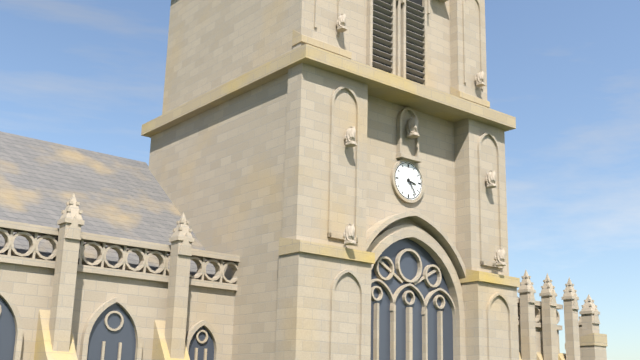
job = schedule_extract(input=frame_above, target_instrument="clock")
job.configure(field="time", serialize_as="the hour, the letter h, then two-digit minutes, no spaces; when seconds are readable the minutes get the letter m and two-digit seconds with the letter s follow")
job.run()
3h24
